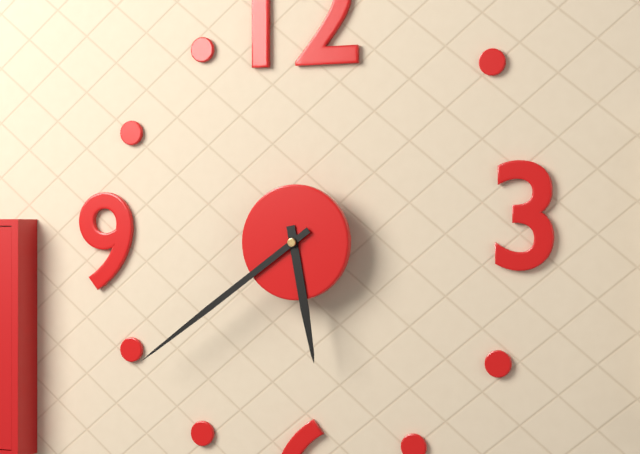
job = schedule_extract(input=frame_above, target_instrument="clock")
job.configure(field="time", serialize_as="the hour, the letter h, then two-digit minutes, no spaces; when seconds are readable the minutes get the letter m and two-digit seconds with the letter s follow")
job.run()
5h39
